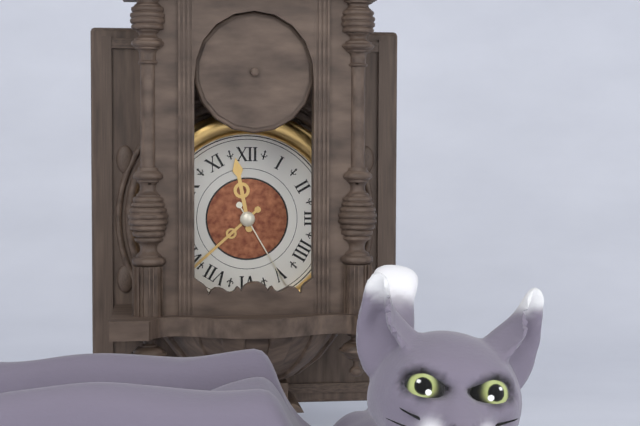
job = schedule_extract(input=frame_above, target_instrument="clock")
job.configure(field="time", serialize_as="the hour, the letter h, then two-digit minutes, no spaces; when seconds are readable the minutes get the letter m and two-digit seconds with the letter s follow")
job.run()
11h38m25s
